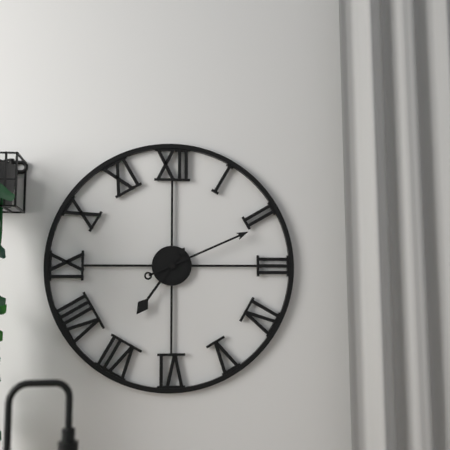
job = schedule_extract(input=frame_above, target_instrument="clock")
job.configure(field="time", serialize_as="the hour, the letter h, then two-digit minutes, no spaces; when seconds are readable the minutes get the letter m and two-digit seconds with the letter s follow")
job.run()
7h11
